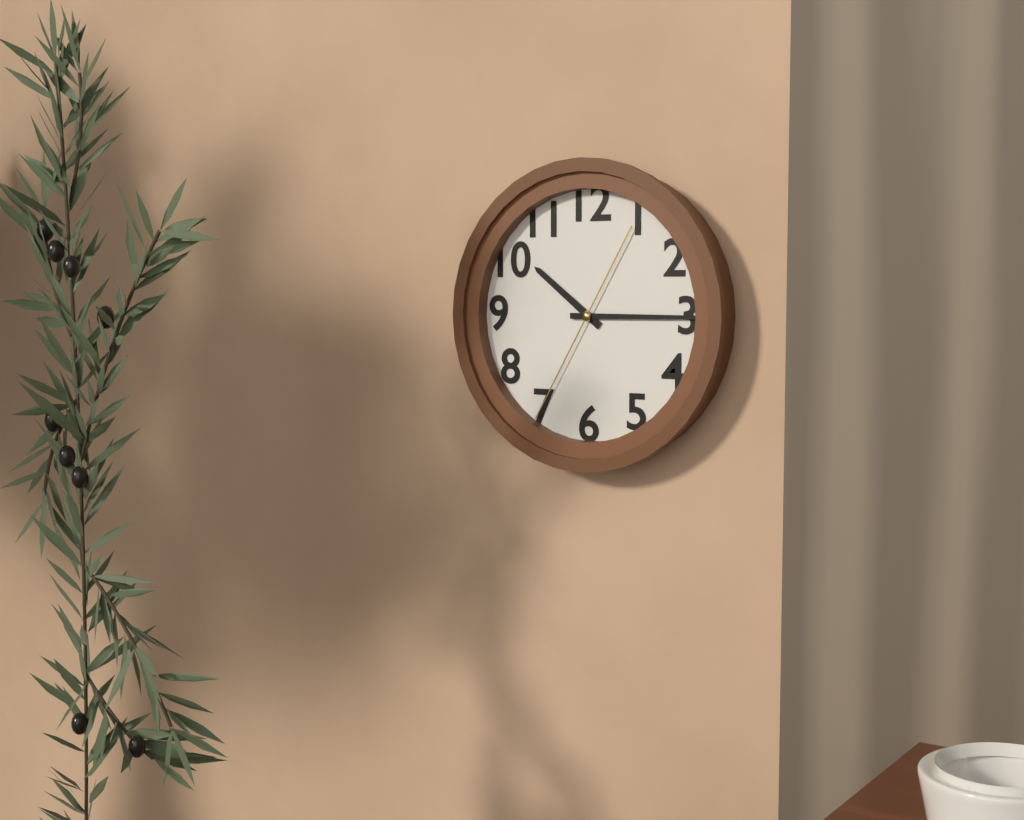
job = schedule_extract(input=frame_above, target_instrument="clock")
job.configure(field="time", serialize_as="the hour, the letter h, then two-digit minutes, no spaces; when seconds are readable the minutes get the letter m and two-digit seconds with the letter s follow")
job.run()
10h15m35s
